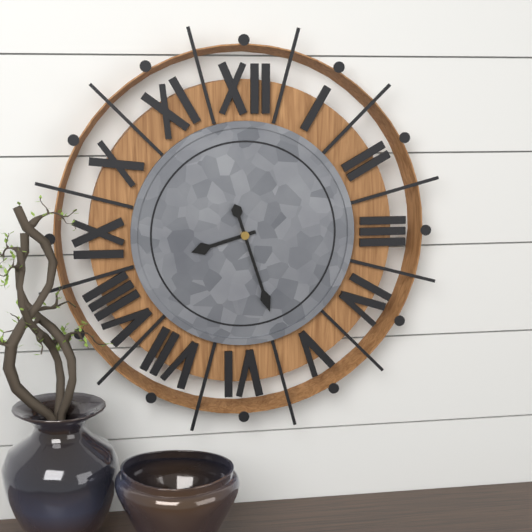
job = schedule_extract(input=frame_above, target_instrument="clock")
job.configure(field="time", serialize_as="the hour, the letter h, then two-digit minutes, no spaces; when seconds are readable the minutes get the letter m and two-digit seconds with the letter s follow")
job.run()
8h27
